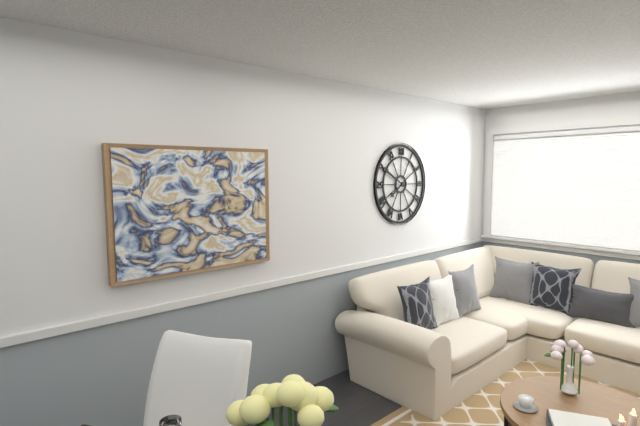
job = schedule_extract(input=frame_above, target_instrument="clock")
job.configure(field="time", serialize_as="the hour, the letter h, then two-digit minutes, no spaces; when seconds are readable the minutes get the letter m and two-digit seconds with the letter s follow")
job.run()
7h50
